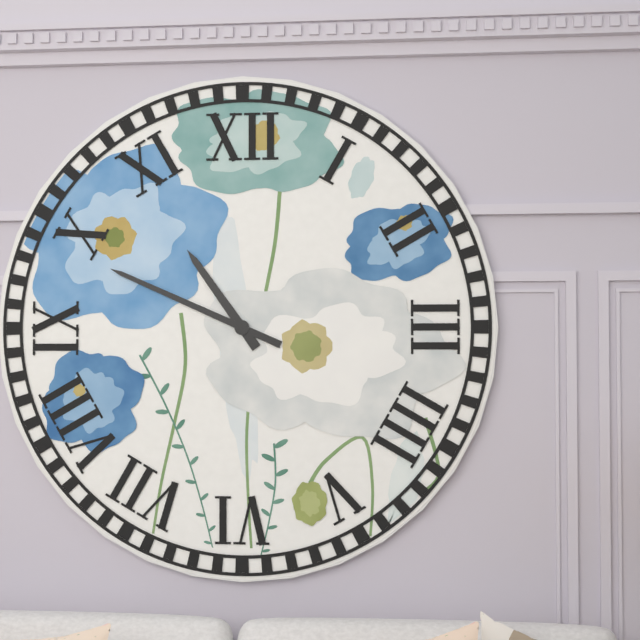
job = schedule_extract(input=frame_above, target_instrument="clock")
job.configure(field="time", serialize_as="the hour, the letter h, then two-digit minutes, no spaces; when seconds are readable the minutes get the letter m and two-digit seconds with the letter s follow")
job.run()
10h49
